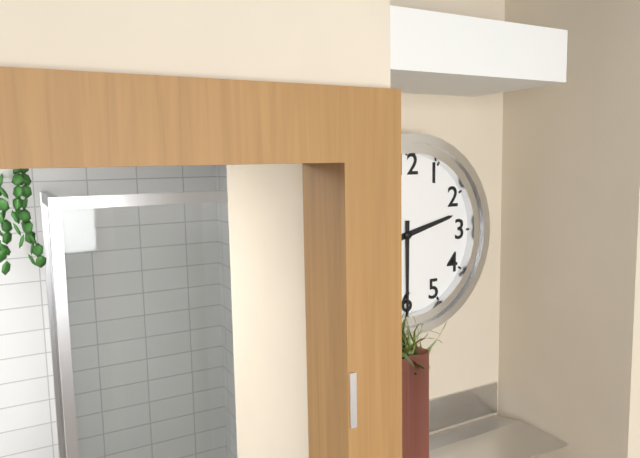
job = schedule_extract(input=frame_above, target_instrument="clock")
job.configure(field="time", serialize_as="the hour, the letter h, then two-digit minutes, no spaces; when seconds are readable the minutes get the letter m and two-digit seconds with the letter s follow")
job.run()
2h30
